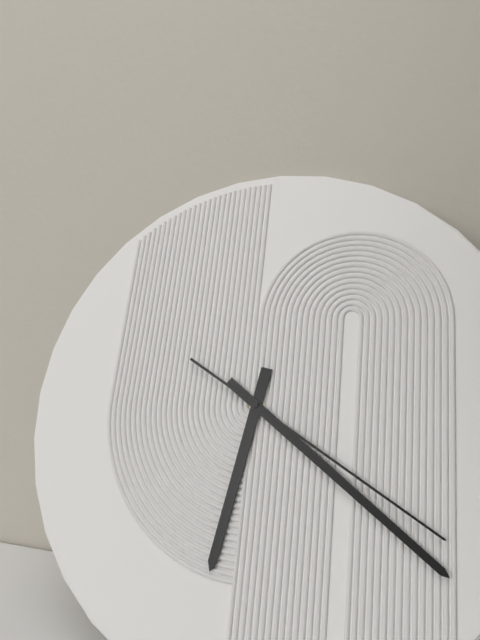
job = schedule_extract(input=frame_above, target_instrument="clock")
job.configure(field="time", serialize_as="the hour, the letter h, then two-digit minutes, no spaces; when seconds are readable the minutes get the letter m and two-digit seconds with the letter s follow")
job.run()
6h21m20s
